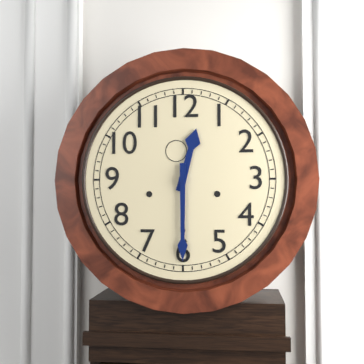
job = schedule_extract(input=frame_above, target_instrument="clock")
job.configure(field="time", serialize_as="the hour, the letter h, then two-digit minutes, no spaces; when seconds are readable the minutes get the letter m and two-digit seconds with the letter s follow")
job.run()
12h30
